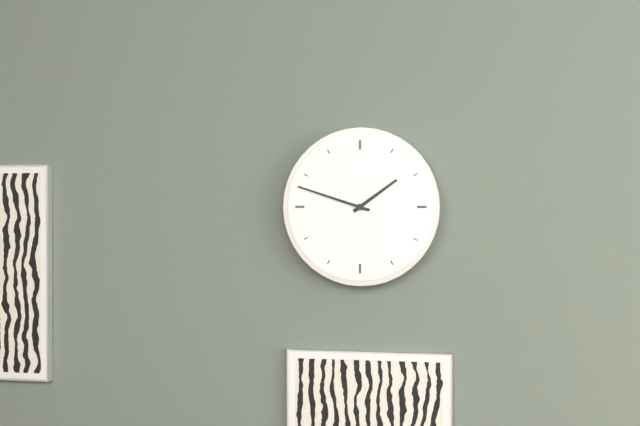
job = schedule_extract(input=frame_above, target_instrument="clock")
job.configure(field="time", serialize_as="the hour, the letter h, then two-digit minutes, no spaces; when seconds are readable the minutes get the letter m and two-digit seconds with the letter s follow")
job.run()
1h48
